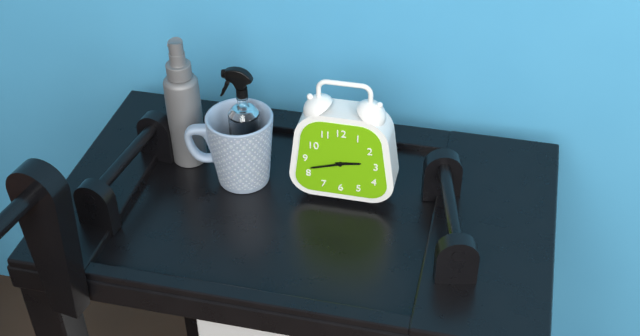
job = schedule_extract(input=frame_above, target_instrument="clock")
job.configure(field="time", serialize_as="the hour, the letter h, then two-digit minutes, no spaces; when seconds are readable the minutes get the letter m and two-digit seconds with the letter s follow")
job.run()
2h42
